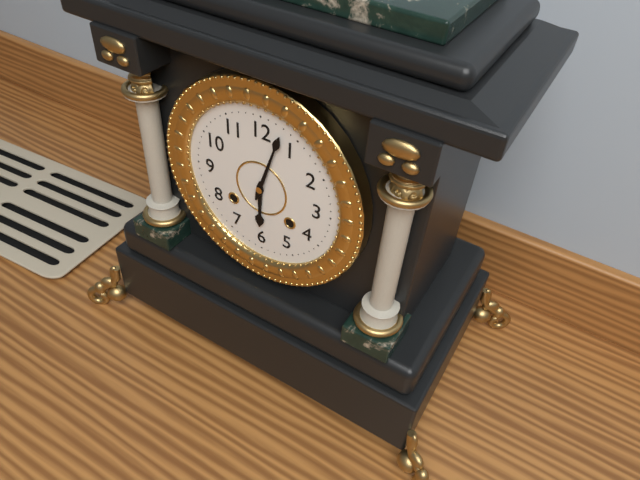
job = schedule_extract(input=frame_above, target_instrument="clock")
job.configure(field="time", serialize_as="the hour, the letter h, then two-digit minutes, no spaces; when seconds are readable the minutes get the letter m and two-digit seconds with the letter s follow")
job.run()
6h03
